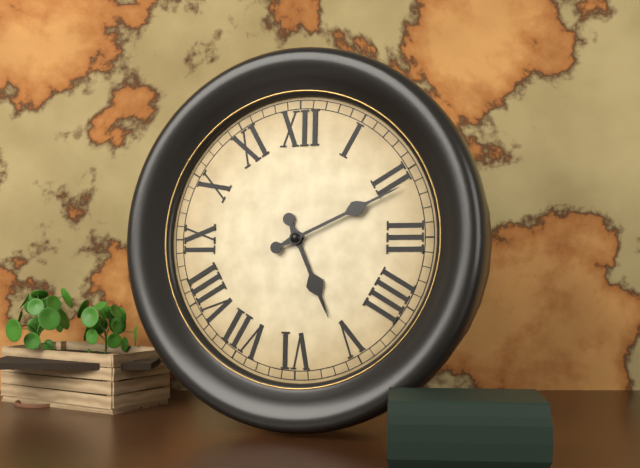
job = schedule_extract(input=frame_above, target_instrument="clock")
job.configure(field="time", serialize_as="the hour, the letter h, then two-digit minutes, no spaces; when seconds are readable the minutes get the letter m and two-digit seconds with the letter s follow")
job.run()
5h11
